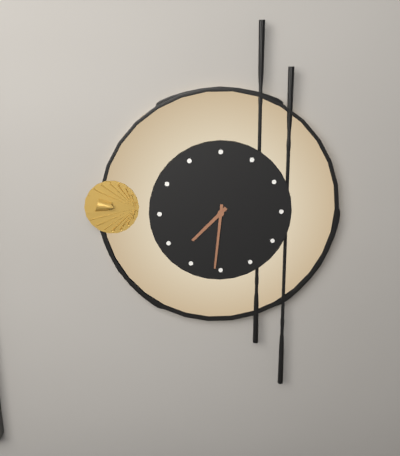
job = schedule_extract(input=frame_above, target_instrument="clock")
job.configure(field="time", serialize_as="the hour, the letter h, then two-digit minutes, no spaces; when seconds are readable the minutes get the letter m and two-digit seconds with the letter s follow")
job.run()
7h31
